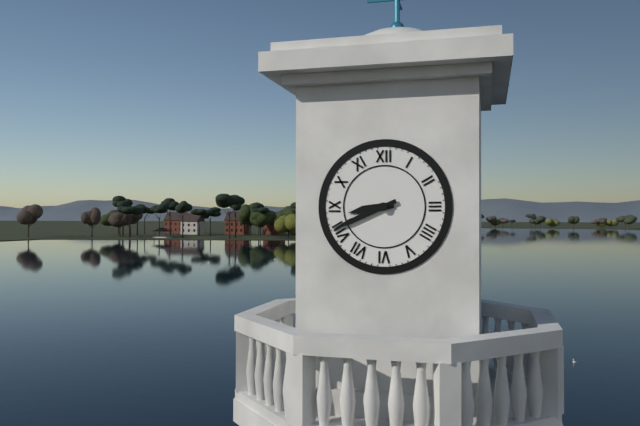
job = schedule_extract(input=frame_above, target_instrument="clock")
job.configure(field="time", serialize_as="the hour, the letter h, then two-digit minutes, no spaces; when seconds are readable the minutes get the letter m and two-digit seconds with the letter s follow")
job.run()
8h41
